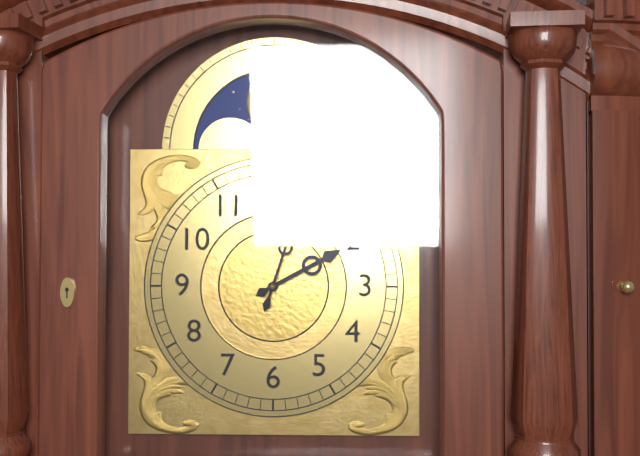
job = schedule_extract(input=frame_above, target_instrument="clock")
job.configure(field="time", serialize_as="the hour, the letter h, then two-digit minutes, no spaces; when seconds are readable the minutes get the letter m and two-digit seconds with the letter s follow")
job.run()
2h03
